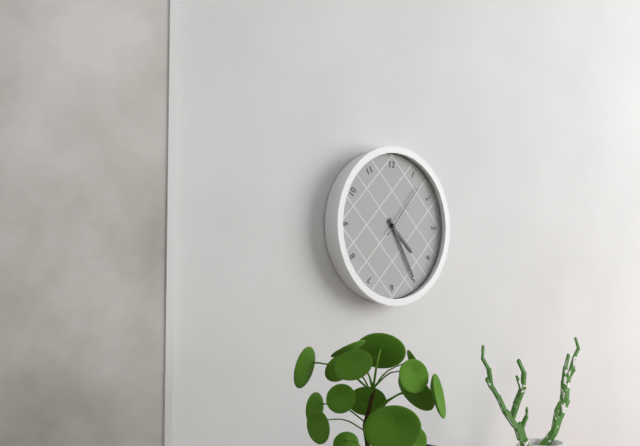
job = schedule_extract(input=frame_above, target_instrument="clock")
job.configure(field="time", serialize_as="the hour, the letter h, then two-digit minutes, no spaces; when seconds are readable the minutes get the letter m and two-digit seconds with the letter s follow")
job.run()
4h25m07s
